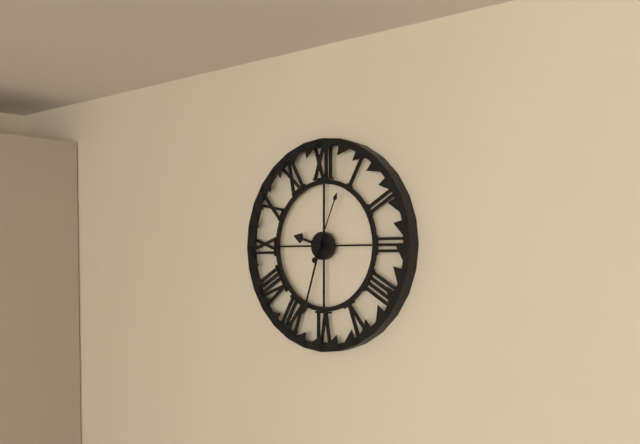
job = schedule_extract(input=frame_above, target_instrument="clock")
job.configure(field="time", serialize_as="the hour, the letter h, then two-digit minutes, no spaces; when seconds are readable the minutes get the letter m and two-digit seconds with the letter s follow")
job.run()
9h33m04s
